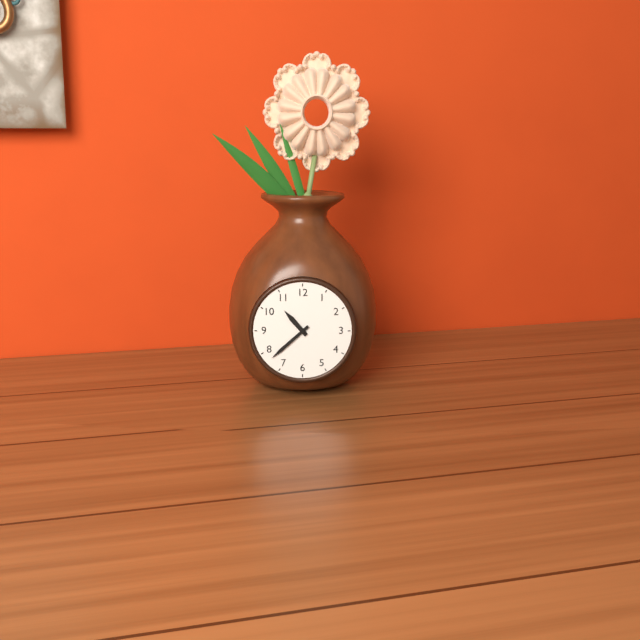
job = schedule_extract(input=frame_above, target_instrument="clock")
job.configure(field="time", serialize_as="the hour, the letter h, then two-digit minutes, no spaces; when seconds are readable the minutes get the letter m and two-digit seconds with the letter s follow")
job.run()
10h38
